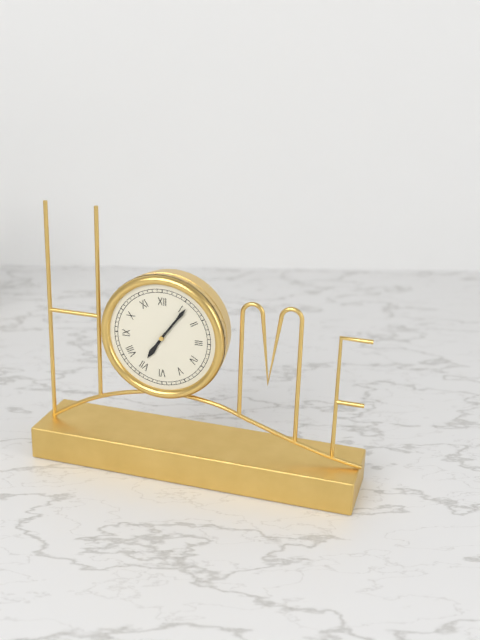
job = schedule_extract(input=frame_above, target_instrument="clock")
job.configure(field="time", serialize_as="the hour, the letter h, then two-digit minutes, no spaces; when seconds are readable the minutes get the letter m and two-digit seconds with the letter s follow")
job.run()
7h06
